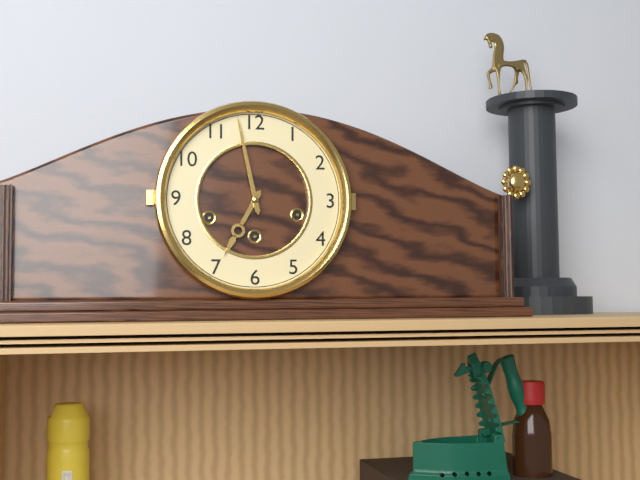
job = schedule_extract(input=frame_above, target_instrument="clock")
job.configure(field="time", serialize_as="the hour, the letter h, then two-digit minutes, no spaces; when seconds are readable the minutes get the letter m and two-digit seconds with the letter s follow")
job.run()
6h58
